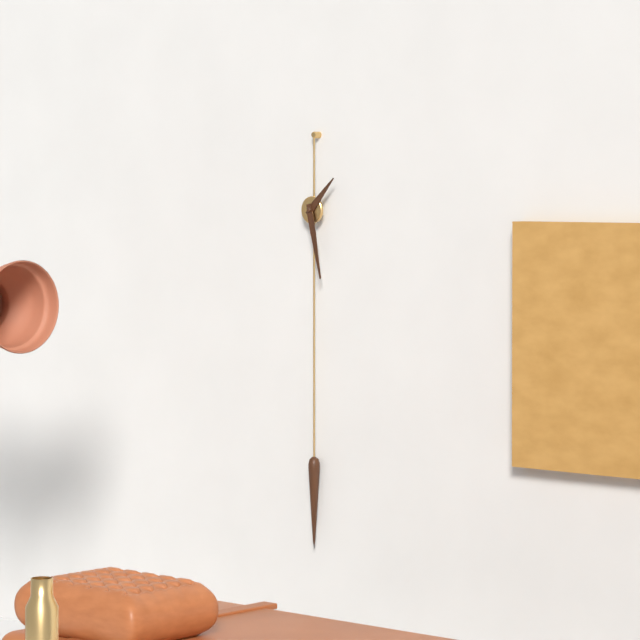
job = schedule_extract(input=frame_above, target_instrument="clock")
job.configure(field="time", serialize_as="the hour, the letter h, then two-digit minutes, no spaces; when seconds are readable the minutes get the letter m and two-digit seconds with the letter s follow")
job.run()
1h28
